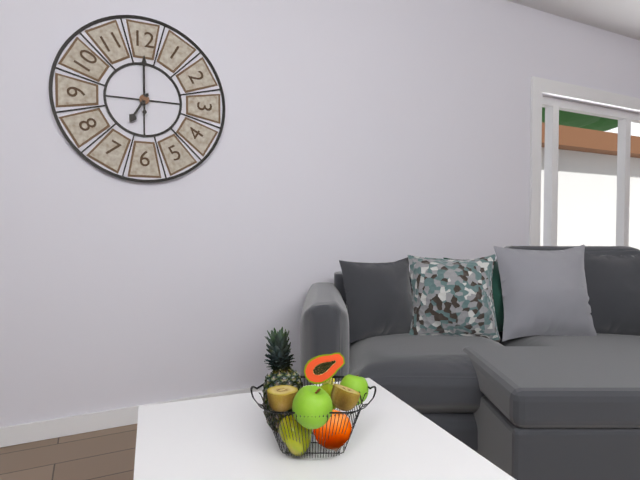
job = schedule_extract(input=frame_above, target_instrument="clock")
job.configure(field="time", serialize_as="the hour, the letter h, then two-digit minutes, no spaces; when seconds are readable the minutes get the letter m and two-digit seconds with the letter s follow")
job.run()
7h00
